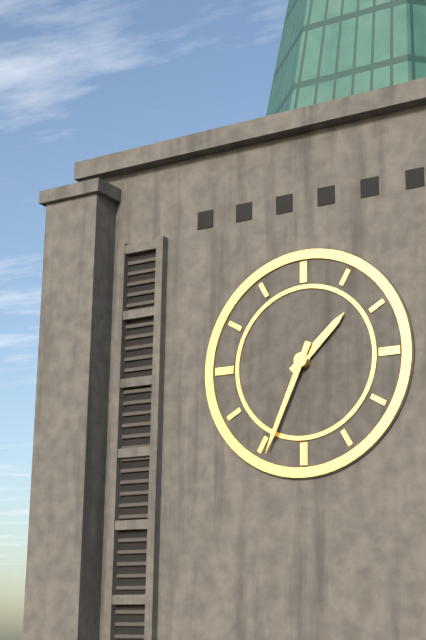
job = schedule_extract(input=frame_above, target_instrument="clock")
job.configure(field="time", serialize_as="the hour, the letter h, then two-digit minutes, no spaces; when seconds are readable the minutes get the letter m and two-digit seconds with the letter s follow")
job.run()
1h34
